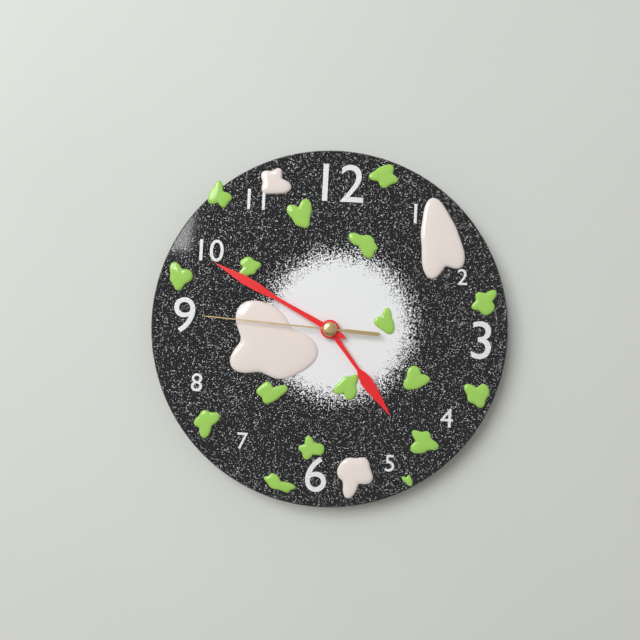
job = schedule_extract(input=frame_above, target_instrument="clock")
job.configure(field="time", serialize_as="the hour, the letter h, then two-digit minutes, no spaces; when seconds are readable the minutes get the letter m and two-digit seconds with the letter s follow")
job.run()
4h50m46s
